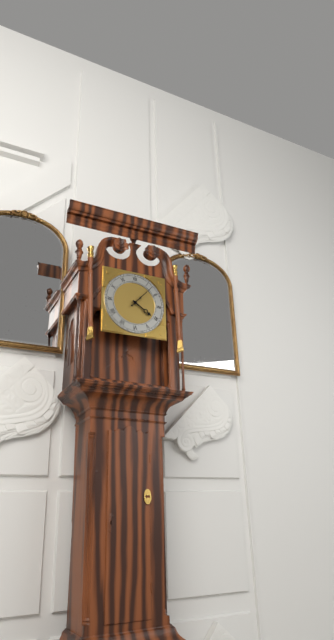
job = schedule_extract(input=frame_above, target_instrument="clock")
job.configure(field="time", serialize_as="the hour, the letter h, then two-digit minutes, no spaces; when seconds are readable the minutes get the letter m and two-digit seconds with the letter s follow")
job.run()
4h07
